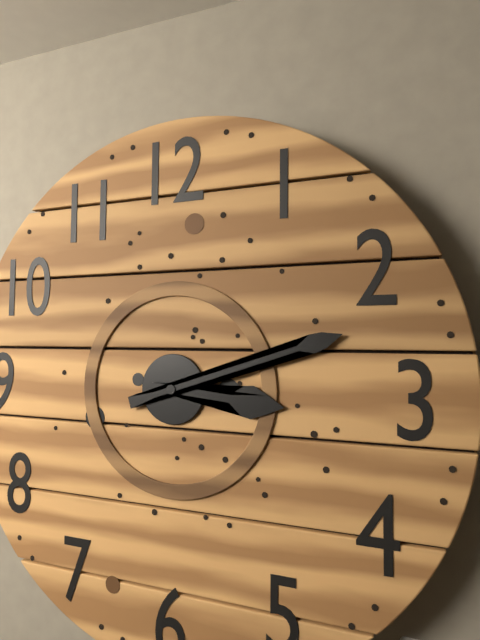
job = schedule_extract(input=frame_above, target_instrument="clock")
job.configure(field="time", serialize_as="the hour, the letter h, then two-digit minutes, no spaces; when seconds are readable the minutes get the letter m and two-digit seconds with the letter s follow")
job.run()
3h12
